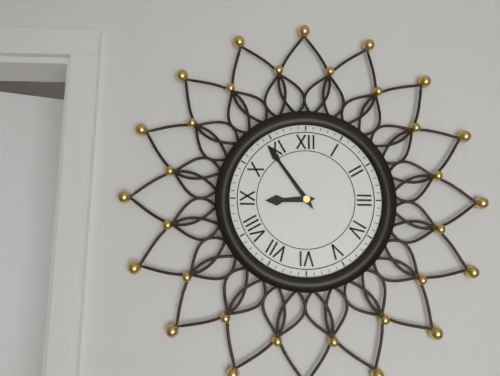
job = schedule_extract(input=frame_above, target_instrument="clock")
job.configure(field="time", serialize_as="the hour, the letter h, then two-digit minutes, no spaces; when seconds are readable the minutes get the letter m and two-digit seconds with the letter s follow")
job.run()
8h54
